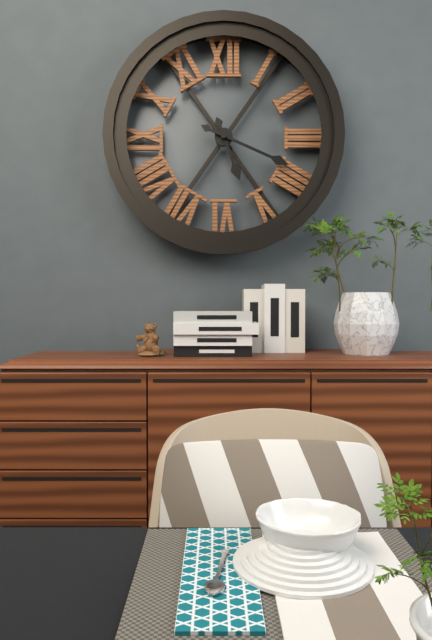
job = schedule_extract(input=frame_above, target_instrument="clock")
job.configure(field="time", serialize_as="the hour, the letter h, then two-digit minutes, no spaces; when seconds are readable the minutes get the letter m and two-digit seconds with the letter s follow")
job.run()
5h19
